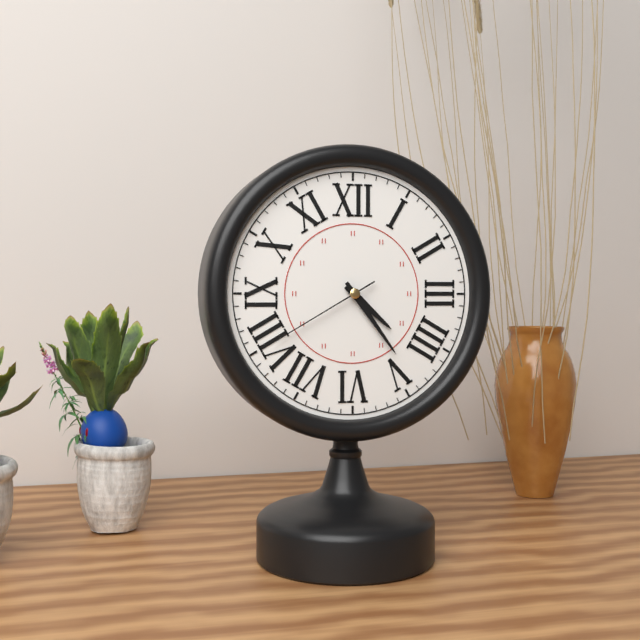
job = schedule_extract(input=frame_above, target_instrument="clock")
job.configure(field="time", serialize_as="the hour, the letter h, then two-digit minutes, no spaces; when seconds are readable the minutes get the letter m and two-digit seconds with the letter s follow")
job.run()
4h24m40s
